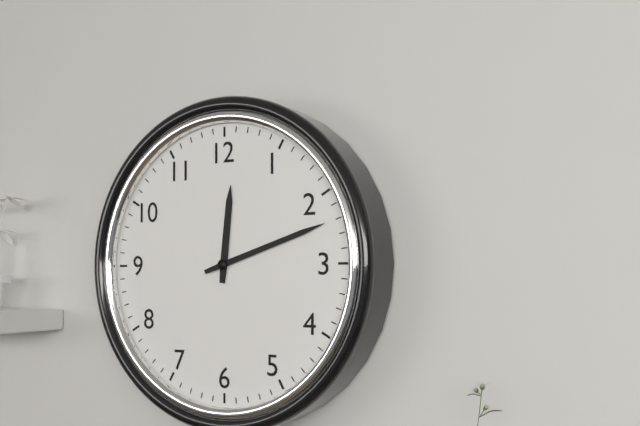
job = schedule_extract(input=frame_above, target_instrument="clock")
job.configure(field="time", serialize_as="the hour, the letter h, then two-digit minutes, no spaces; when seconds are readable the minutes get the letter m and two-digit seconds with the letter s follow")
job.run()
12h12
